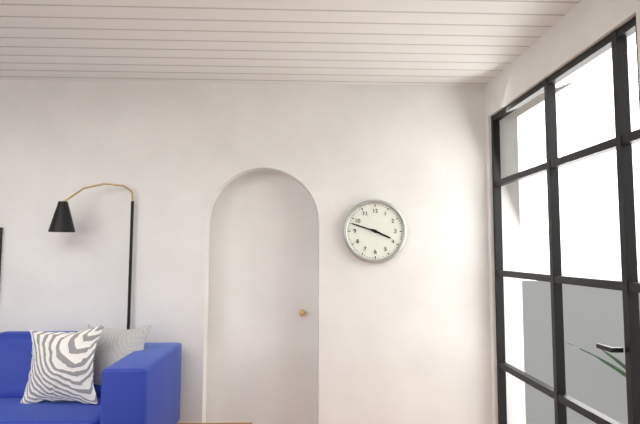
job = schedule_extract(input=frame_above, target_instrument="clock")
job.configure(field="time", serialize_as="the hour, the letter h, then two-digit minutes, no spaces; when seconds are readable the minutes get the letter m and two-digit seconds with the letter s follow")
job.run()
3h48
